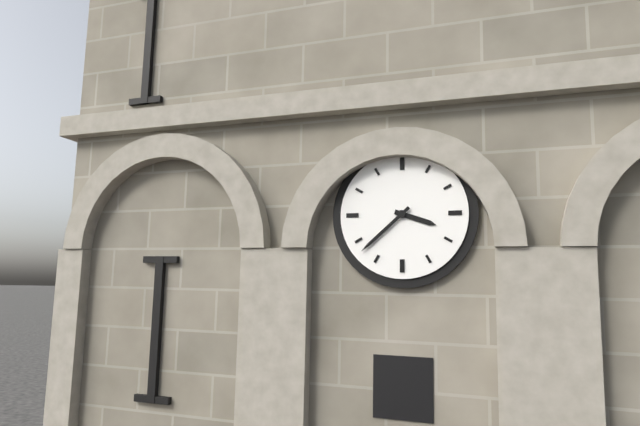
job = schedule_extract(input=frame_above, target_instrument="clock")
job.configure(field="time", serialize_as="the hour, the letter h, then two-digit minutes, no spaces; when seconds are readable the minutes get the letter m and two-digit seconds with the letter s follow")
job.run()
3h38
